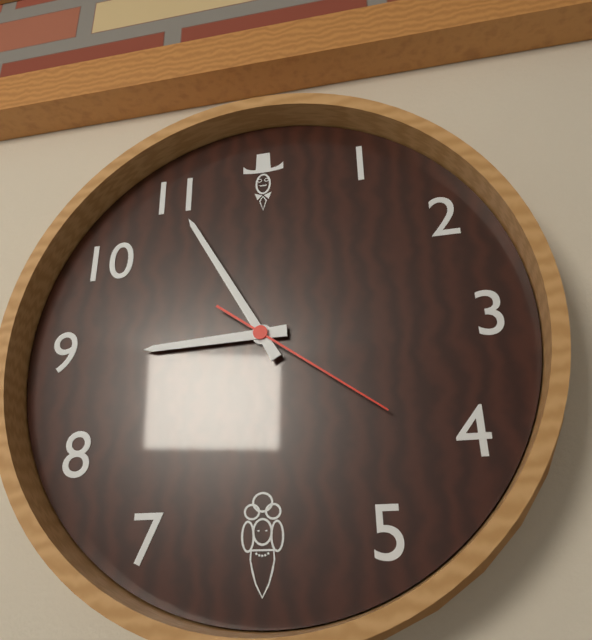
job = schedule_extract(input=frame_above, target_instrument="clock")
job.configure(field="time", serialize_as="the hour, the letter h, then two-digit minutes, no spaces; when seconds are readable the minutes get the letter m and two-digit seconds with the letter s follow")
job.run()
8h55m21s
